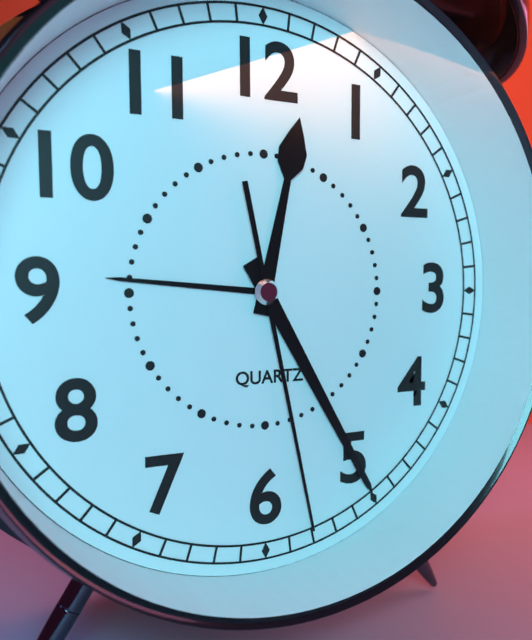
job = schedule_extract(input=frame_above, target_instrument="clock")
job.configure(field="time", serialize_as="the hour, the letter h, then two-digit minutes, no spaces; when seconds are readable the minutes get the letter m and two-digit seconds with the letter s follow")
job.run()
12h25m28s
